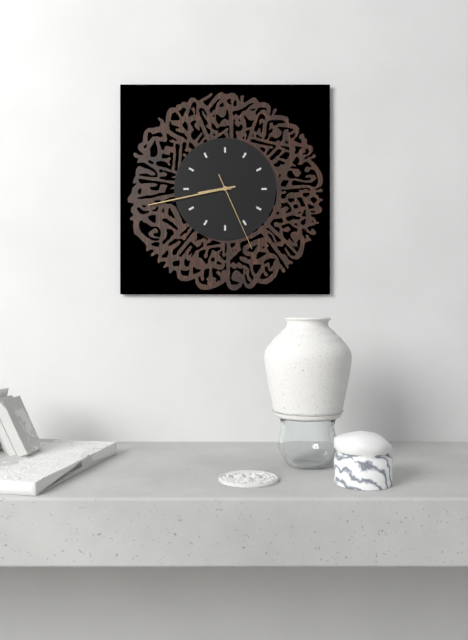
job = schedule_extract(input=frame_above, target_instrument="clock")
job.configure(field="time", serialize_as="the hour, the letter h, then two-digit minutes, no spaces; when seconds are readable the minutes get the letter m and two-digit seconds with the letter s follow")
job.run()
8h43m26s
